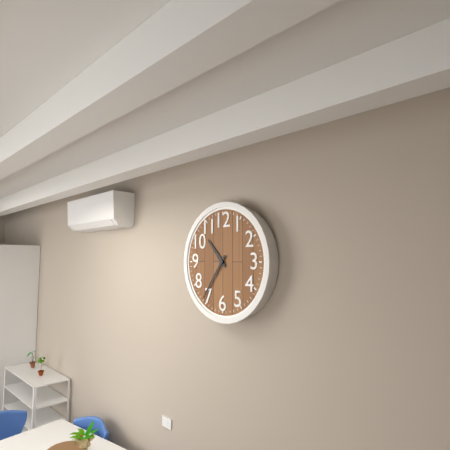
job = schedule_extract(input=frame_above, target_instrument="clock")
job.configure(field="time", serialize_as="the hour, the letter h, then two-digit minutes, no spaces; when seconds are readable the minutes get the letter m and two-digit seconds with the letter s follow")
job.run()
10h36
